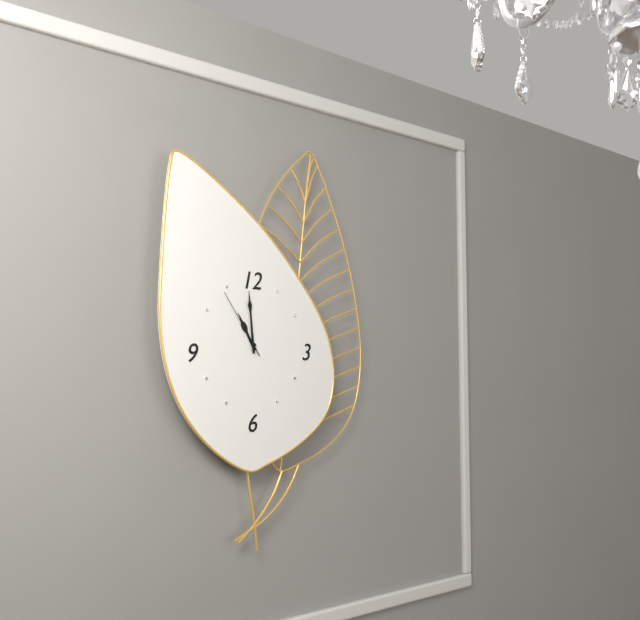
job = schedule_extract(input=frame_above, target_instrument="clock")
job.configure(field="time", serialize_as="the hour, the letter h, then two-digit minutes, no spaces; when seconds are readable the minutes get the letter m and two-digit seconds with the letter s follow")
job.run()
10h59m54s
